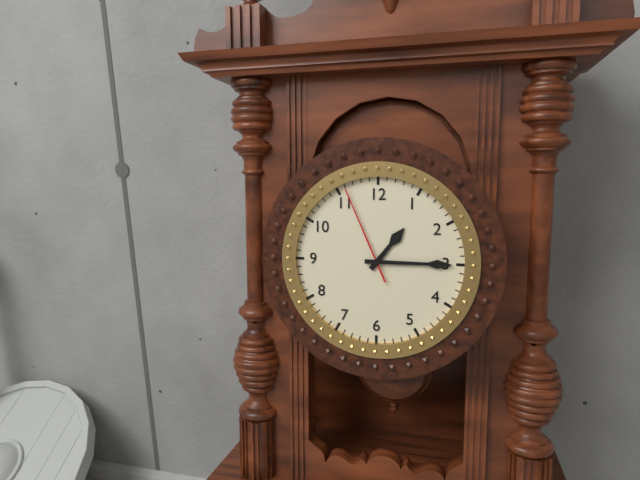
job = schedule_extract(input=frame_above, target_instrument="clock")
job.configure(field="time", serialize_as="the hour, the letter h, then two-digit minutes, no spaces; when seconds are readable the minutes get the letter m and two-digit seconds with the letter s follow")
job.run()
1h15m56s
